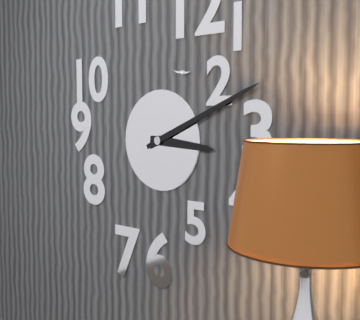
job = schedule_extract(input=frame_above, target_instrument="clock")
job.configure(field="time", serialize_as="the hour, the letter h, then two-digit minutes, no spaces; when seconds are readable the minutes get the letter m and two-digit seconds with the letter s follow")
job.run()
3h11
